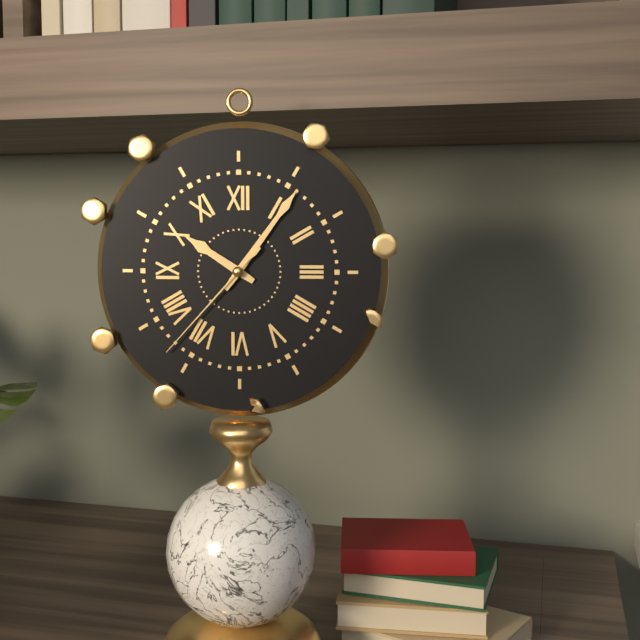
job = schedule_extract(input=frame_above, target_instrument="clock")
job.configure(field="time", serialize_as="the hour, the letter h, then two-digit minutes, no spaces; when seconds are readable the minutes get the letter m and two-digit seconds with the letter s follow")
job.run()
10h06m37s
